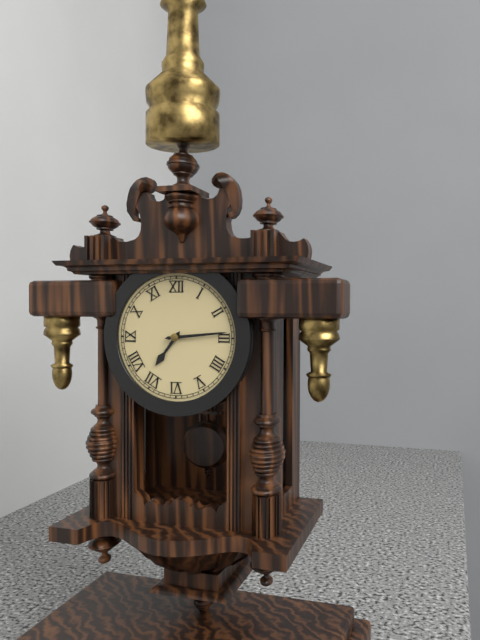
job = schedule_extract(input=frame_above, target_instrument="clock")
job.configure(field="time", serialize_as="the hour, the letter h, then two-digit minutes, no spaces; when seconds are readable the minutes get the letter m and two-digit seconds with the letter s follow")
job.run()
7h14
